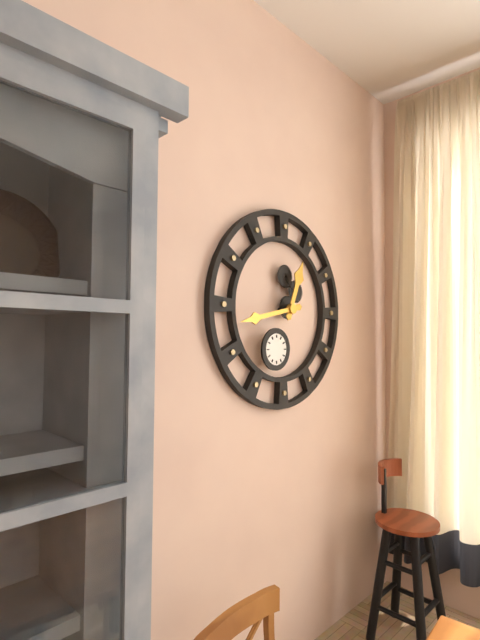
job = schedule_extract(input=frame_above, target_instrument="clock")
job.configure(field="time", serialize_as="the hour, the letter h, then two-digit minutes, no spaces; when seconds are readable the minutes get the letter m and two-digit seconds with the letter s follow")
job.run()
12h43
